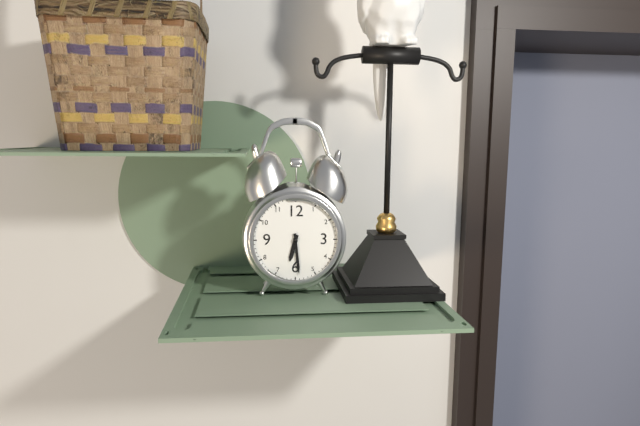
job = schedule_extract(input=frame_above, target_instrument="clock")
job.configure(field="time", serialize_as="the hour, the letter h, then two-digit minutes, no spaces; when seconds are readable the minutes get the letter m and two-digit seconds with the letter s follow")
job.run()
6h29
